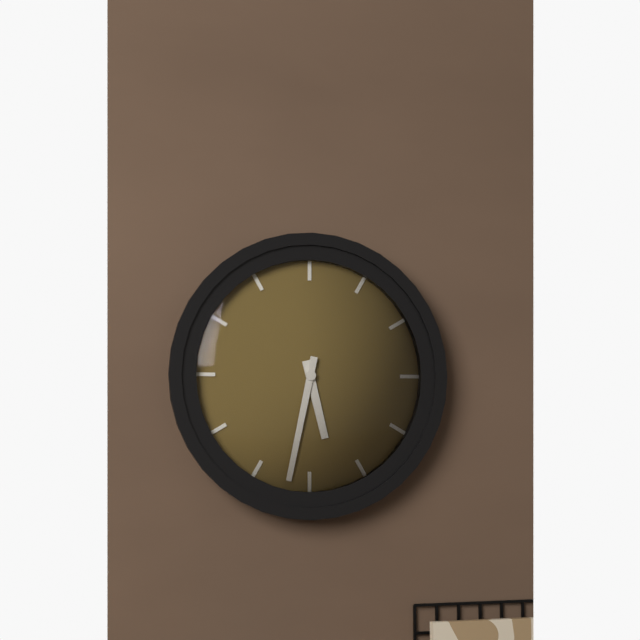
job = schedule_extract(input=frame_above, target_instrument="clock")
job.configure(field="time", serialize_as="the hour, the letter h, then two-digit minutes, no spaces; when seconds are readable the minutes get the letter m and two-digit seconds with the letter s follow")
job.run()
5h32
